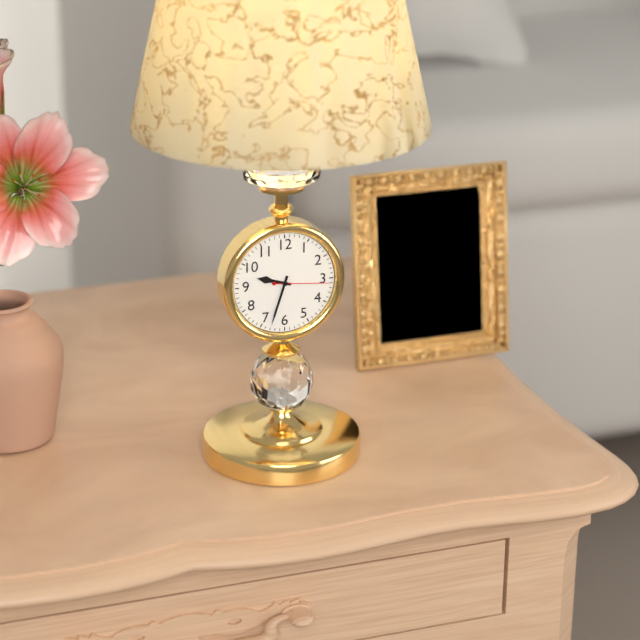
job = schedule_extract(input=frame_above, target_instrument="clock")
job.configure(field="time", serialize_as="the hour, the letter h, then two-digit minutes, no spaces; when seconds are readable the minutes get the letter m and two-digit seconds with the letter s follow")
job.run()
9h33m16s
